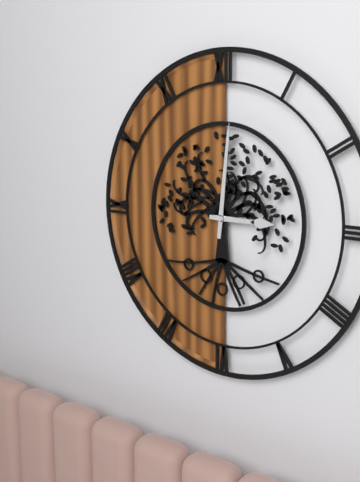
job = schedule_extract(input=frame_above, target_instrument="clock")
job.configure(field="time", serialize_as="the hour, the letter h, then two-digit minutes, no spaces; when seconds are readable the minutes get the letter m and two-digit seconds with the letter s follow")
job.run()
3h01
